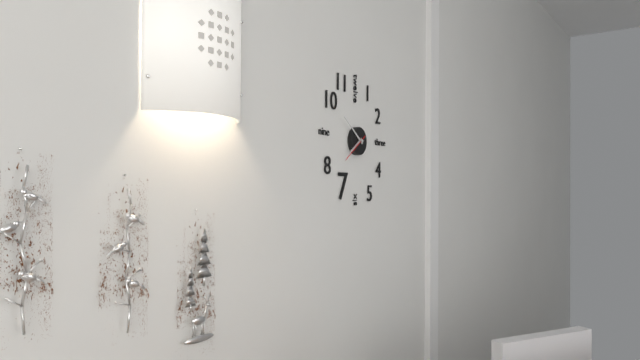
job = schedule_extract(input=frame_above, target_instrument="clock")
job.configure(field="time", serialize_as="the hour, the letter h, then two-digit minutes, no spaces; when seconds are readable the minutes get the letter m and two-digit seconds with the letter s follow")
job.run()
7h51
